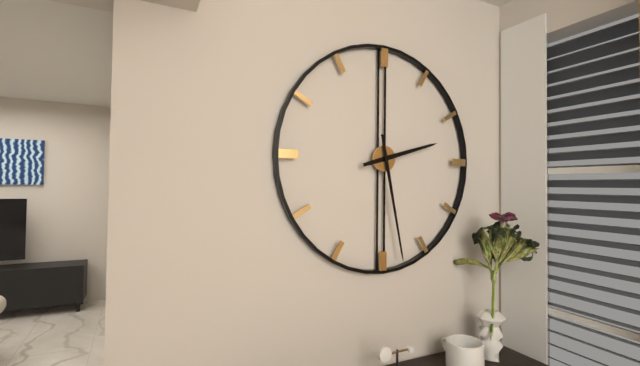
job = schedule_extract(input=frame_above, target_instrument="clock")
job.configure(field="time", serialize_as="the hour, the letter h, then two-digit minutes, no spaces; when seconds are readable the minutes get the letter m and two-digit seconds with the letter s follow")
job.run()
2h28
